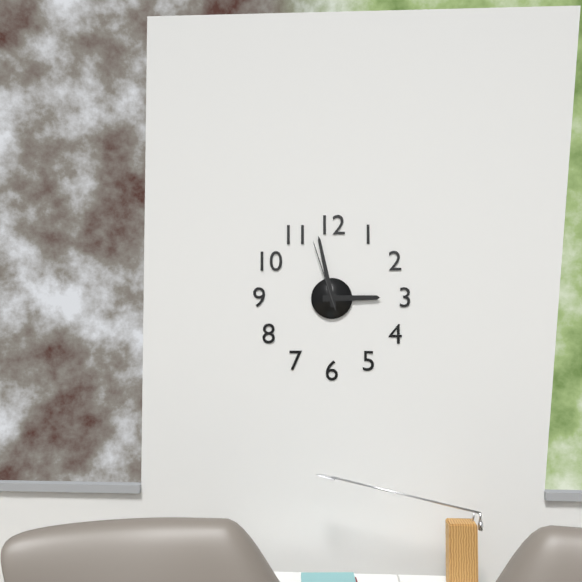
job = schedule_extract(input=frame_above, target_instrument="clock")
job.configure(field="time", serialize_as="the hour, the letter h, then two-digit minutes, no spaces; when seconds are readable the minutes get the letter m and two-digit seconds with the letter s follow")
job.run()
2h58m57s
